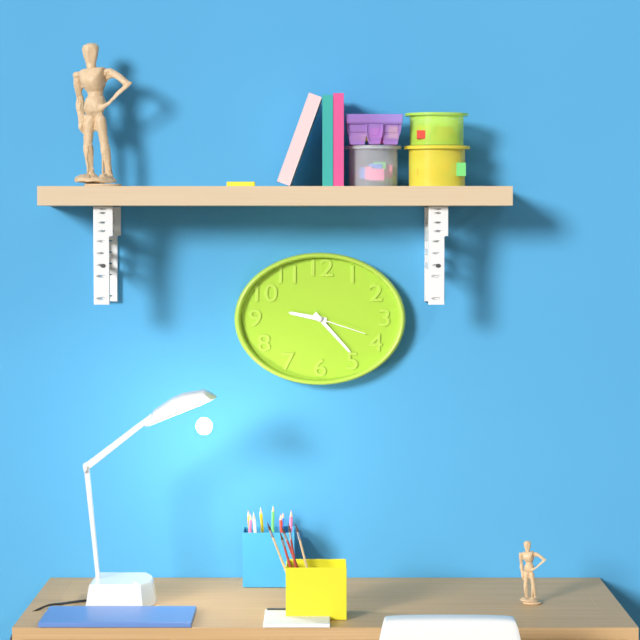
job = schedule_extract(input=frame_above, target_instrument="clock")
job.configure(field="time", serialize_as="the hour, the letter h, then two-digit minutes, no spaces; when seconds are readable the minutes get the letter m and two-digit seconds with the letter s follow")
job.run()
9h23m18s
